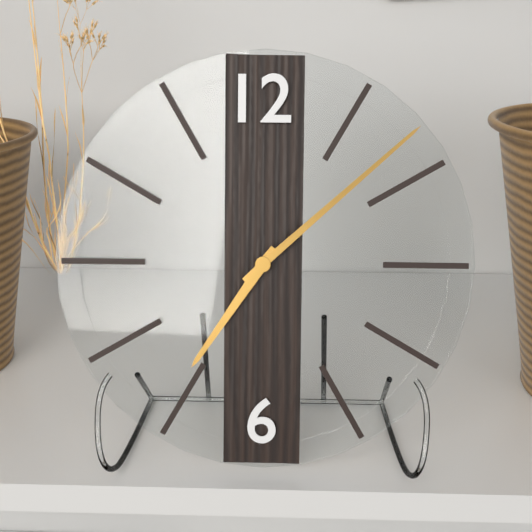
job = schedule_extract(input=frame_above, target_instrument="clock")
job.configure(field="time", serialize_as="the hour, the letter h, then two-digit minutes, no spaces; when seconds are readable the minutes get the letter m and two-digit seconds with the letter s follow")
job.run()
7h08
